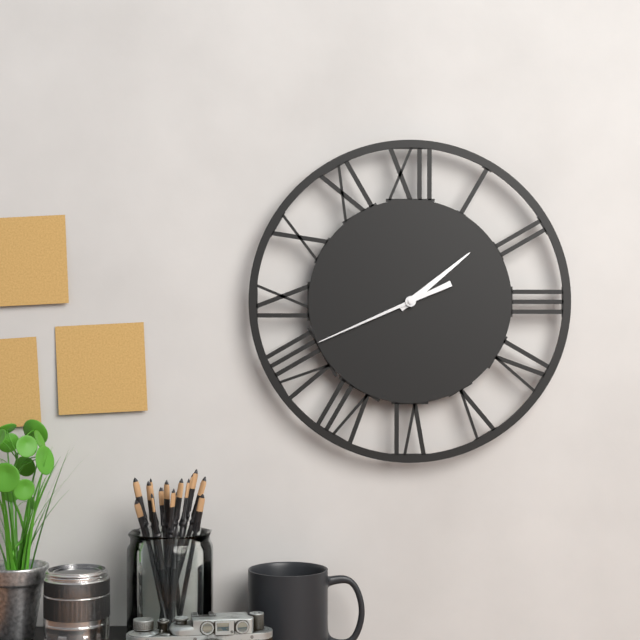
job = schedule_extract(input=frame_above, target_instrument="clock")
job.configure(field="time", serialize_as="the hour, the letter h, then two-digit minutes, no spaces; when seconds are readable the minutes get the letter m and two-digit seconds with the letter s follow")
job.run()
1h41
